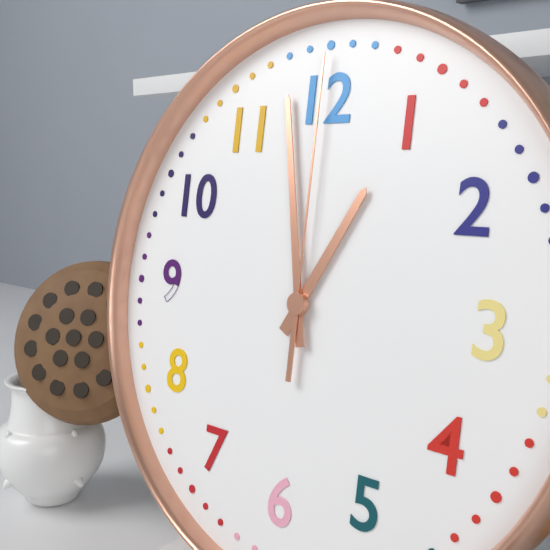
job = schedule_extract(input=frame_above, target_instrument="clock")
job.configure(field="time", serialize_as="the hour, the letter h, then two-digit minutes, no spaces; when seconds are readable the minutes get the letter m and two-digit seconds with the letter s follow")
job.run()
12h58m00s
